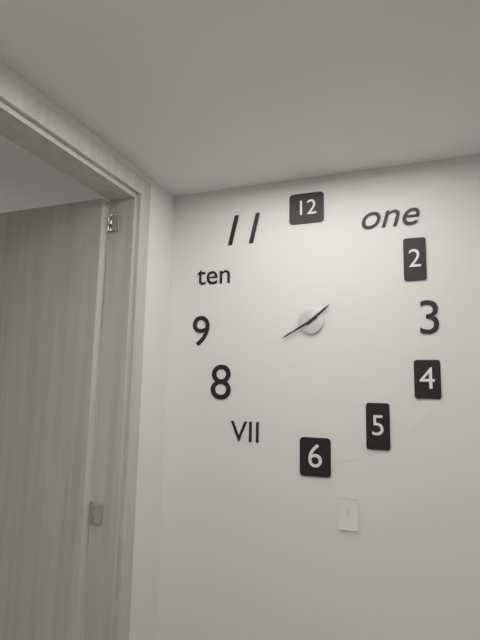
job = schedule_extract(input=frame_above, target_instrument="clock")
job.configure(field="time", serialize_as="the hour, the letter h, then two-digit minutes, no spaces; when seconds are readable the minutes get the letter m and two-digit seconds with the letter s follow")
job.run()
1h40
